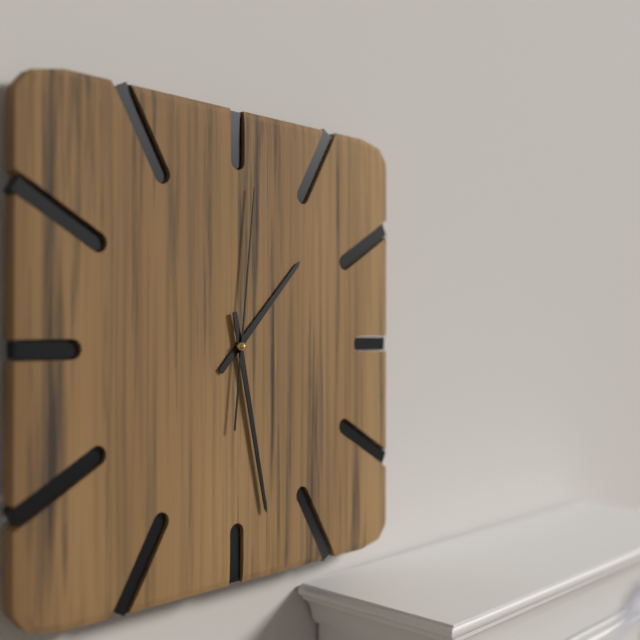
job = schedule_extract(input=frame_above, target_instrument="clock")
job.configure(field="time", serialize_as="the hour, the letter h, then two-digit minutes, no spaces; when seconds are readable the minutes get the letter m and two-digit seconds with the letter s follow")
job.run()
1h28m01s
